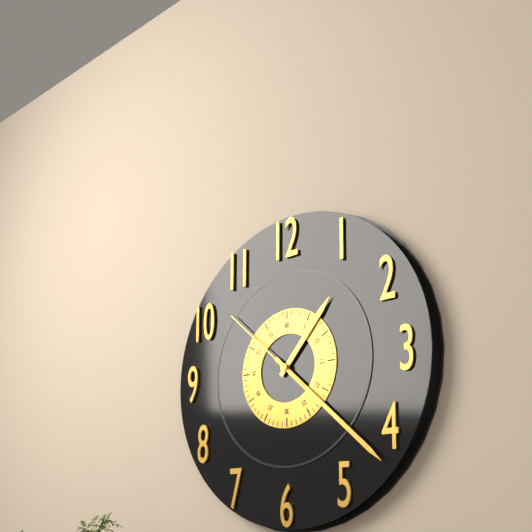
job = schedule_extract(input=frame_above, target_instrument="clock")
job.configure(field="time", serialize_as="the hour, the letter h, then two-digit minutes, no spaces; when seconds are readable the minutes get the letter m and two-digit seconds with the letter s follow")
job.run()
1h22m52s
